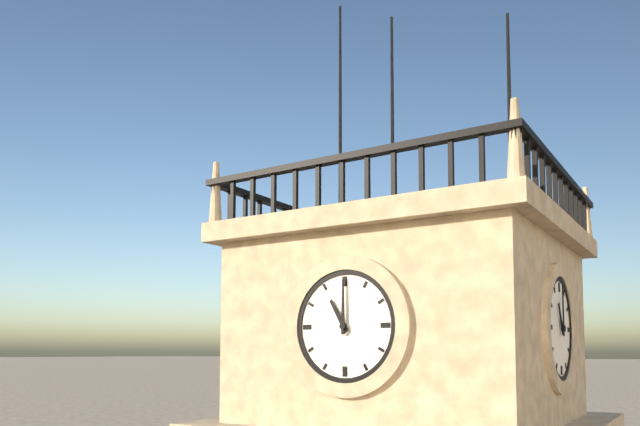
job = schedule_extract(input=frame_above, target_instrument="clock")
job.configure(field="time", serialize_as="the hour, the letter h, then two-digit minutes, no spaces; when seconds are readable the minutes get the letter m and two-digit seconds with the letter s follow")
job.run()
11h00
